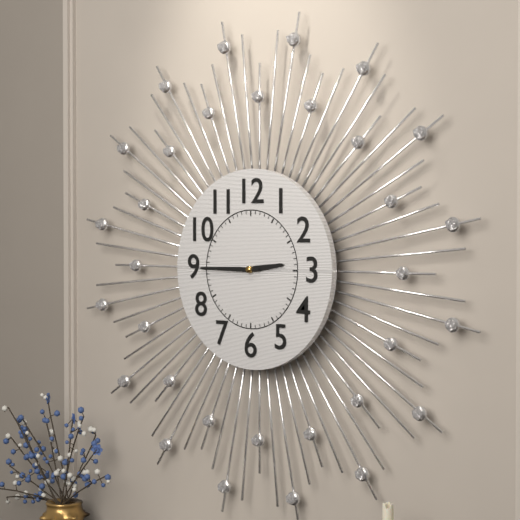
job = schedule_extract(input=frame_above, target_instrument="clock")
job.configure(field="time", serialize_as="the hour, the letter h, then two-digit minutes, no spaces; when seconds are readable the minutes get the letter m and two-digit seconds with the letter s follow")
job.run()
2h45
